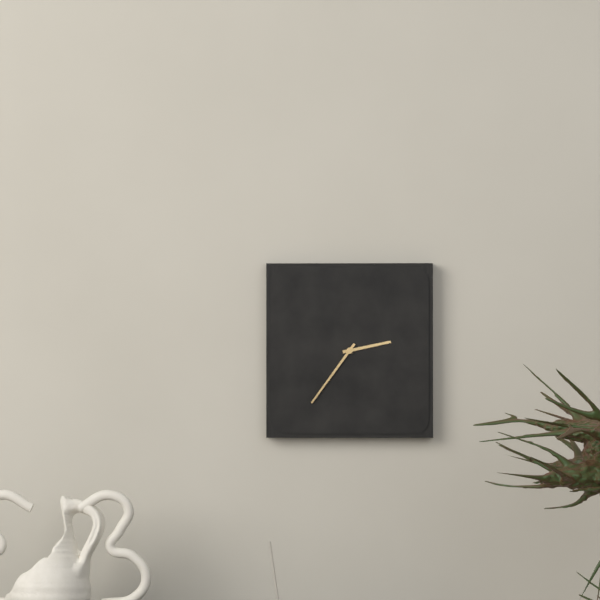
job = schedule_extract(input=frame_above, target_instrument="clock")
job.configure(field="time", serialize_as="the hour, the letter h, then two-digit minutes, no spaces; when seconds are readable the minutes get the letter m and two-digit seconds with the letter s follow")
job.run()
2h36
